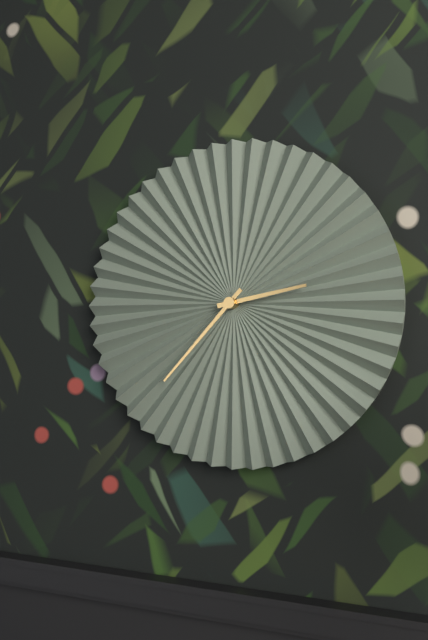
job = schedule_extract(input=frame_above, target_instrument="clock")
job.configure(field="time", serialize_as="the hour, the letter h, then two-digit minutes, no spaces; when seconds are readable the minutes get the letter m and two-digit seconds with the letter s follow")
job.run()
2h37
